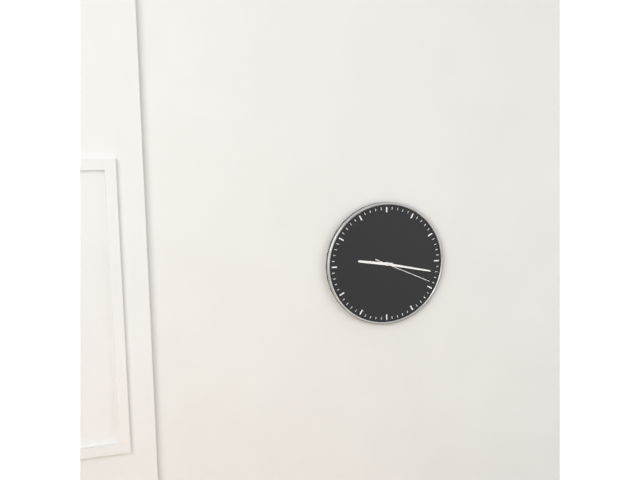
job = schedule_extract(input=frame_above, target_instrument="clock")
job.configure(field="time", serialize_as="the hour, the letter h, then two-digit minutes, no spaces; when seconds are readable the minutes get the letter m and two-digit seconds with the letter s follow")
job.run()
9h17m19s
